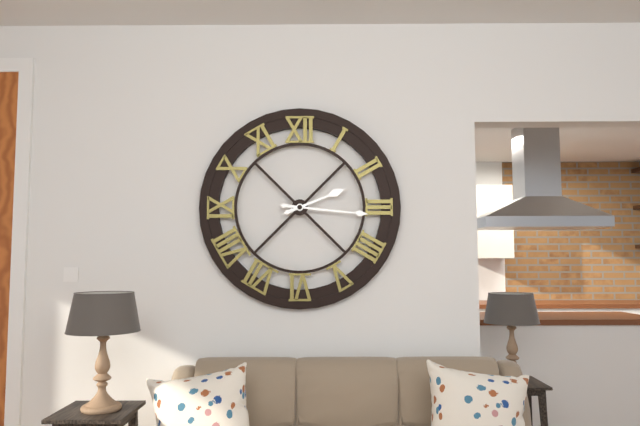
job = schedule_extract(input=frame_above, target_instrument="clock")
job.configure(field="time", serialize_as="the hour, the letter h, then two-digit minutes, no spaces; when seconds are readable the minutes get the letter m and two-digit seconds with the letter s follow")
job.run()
2h16
